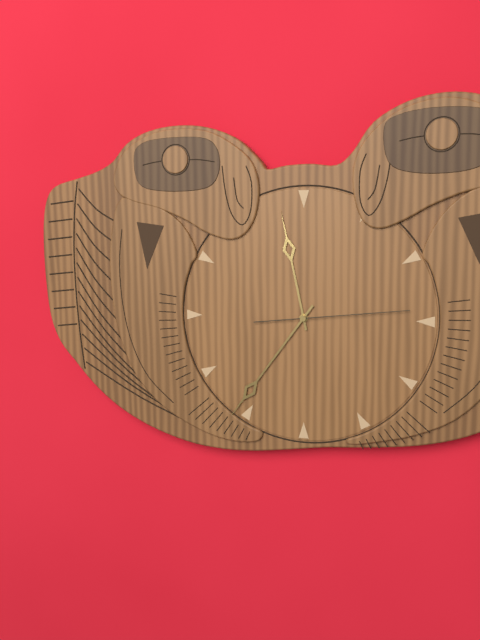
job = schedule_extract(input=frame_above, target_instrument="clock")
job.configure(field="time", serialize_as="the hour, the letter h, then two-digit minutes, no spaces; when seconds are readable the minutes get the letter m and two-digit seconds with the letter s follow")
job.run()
11h36m14s
